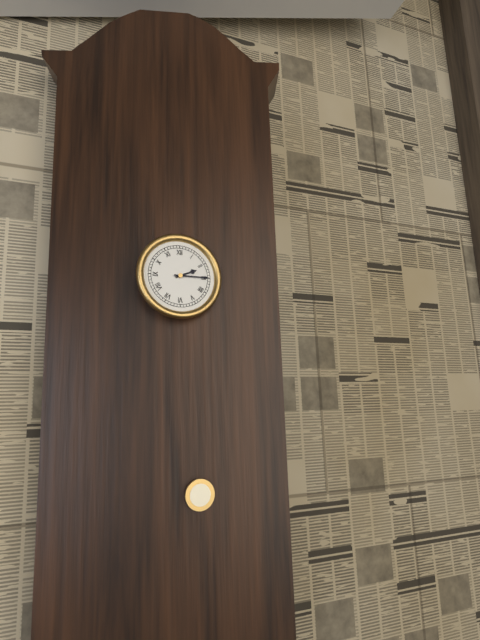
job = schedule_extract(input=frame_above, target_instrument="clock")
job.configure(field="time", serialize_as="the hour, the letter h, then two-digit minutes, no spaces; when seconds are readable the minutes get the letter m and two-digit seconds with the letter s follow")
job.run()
2h15
